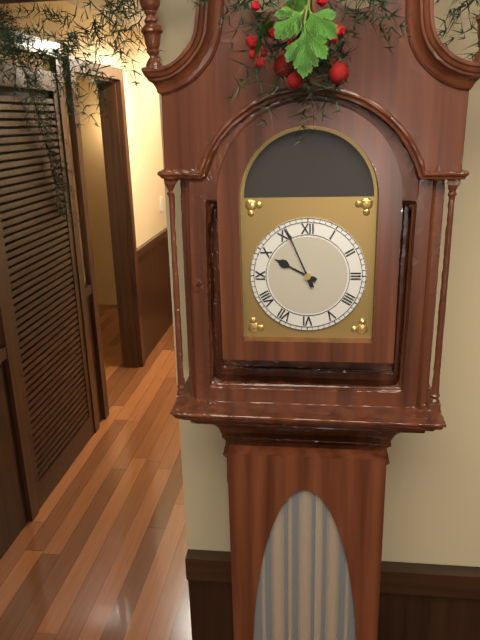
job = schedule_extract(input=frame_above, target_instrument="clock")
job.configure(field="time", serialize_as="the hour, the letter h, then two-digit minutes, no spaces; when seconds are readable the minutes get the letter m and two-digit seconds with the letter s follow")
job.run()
9h56
